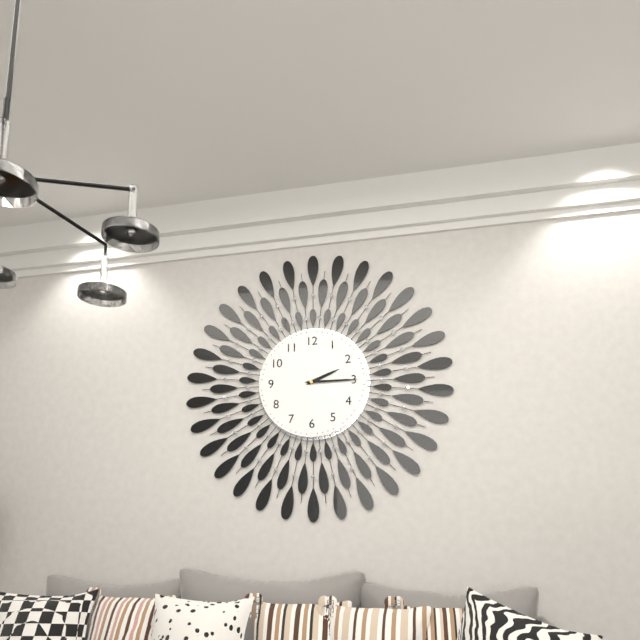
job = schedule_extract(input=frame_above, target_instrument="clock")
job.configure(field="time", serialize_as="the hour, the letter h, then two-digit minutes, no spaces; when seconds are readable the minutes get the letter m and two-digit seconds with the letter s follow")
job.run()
2h15
